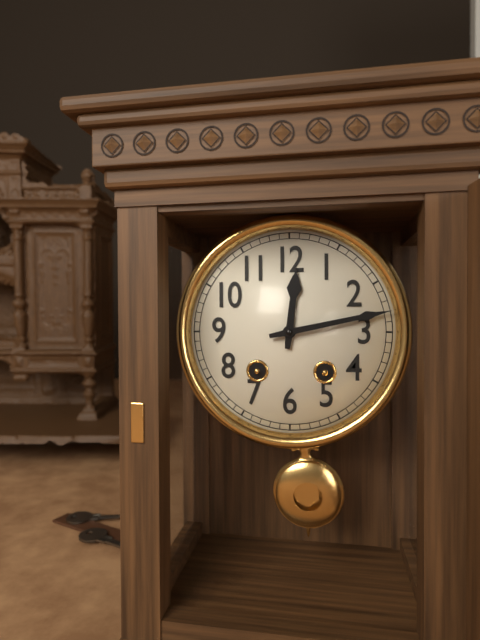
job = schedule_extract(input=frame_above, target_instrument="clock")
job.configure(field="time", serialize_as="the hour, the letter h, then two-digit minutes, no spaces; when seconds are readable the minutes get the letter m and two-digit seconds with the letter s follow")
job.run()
12h13
